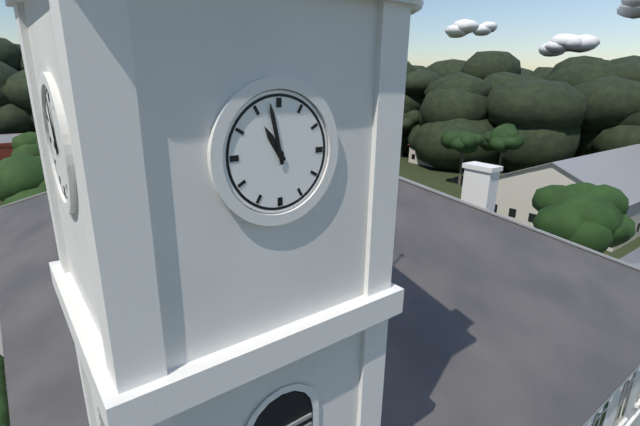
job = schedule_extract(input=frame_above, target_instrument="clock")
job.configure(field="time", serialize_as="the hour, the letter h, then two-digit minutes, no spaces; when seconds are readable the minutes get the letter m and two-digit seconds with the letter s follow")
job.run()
10h58
